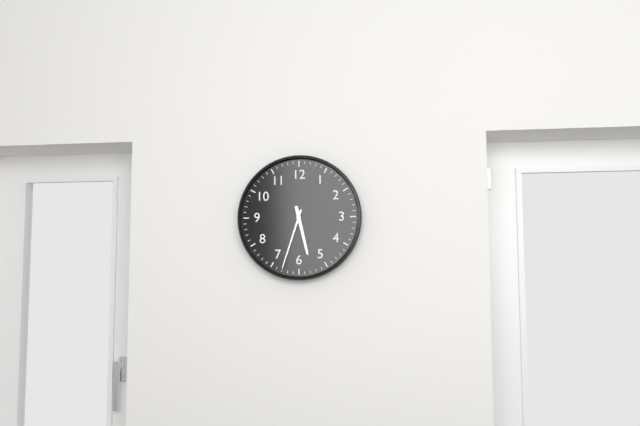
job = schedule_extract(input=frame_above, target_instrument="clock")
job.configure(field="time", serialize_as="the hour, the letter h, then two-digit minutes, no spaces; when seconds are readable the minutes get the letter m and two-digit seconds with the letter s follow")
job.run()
5h33
